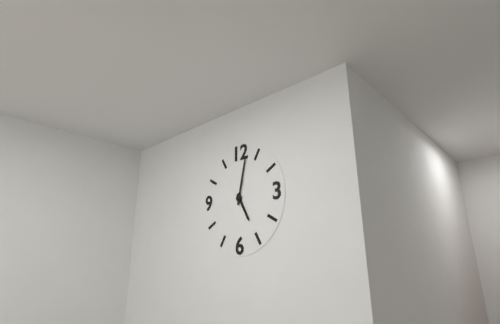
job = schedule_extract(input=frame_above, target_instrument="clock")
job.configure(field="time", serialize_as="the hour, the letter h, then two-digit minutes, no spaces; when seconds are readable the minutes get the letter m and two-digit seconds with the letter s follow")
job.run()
5h02
